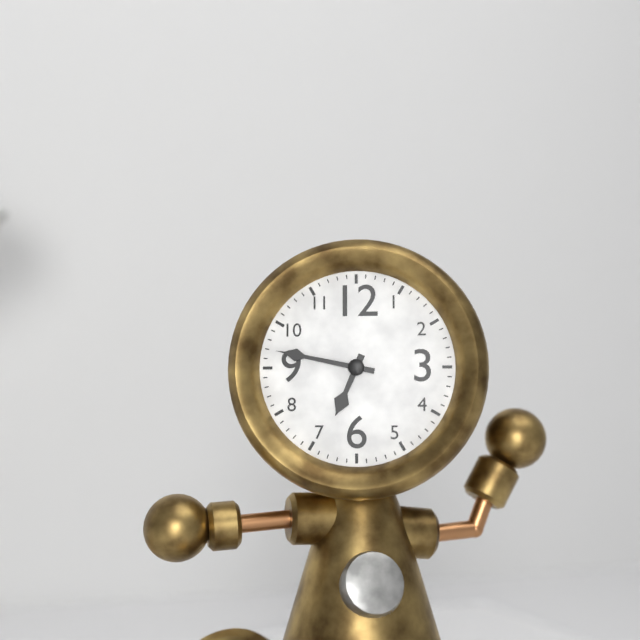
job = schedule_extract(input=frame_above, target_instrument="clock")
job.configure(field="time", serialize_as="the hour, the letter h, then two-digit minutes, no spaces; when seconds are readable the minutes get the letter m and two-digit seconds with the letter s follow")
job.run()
6h47
